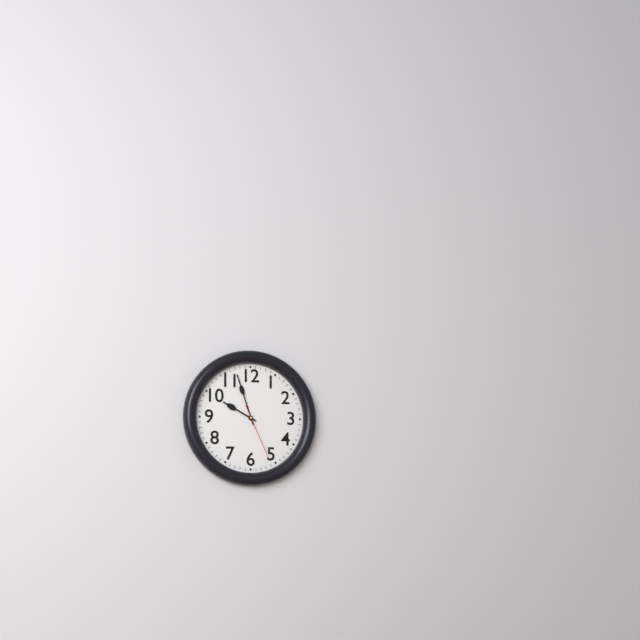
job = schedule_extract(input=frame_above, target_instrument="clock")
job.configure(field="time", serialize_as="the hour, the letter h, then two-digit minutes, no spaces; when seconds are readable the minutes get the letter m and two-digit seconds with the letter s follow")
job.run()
9h57m26s
